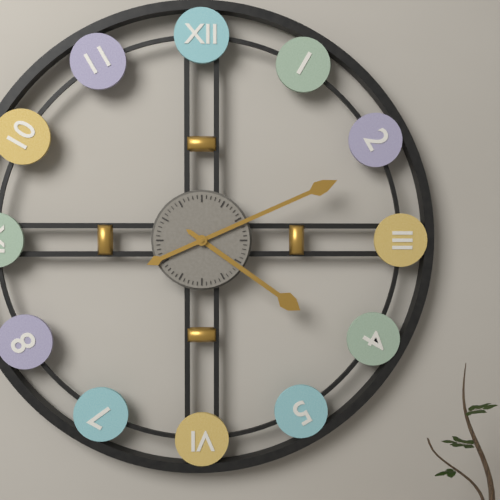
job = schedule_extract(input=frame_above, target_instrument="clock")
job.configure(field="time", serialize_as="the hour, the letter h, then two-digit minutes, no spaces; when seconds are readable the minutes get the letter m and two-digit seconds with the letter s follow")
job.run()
4h11
